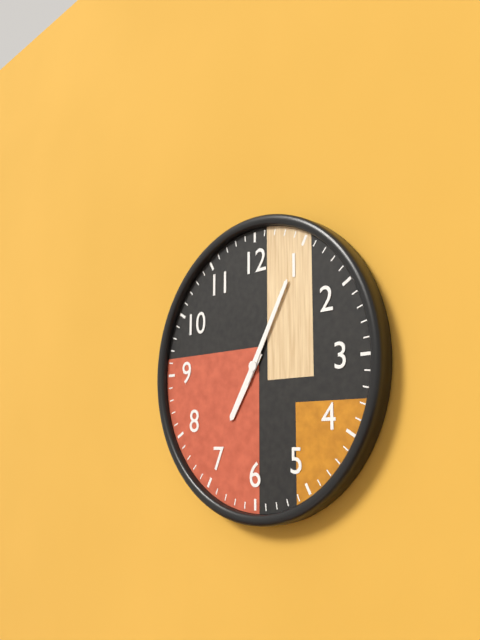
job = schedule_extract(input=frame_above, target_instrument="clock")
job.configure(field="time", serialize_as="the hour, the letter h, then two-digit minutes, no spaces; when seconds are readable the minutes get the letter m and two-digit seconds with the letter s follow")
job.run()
7h05
